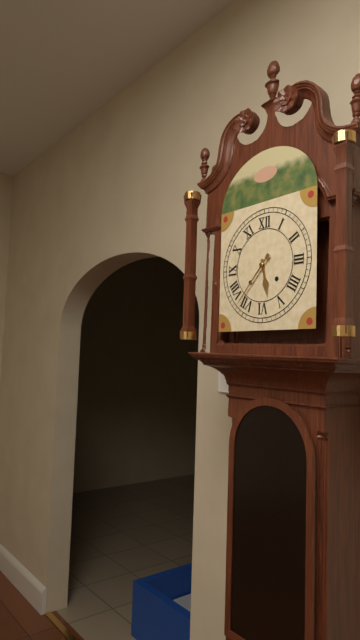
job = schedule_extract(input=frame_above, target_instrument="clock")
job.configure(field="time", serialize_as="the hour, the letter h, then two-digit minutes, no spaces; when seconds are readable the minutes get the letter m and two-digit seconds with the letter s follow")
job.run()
5h37
